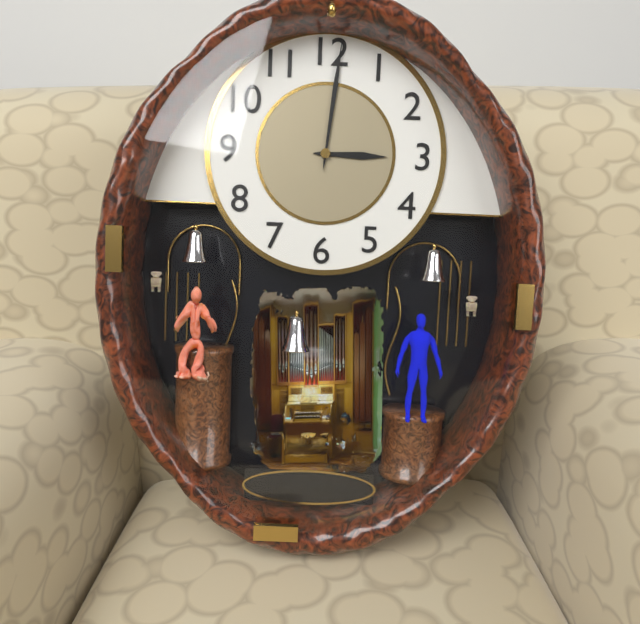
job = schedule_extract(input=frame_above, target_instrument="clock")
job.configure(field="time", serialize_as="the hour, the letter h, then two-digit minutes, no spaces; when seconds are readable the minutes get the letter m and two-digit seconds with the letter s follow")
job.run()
3h01
